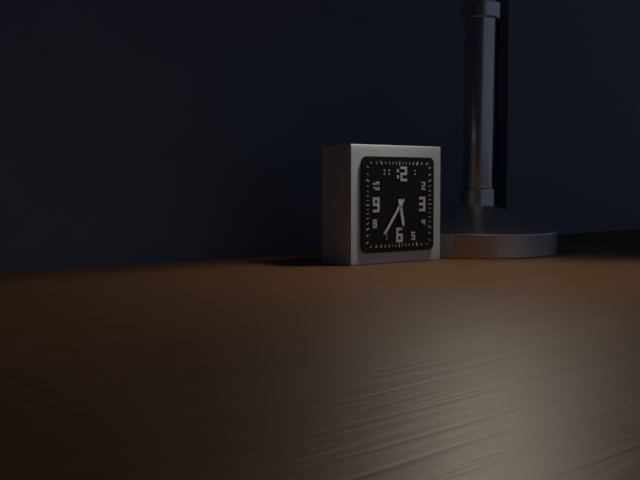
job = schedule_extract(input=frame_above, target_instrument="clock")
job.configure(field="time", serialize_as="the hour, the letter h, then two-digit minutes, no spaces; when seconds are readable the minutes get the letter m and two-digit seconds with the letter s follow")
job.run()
5h36
